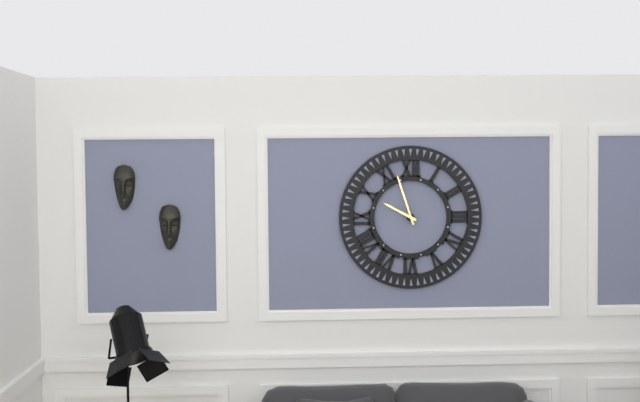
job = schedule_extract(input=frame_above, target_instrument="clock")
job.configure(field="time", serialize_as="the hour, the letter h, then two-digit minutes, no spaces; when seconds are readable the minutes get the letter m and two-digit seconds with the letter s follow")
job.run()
9h57
